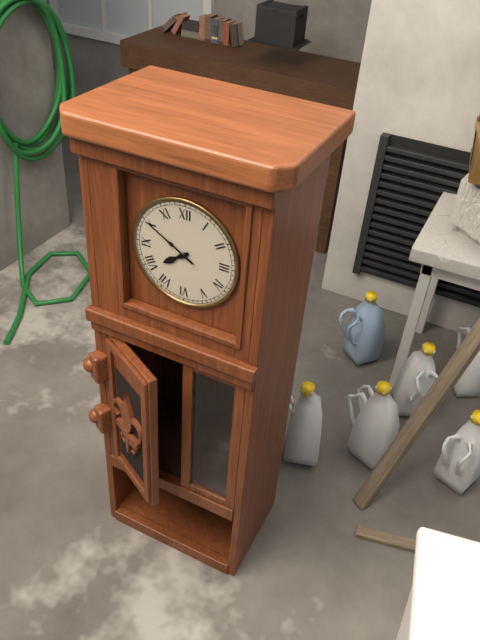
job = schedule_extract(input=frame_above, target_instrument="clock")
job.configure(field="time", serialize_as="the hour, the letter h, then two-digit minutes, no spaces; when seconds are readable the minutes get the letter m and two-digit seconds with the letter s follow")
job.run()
7h50
